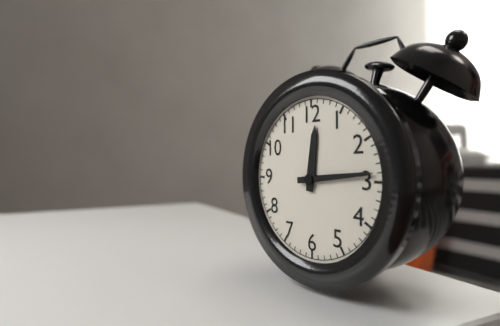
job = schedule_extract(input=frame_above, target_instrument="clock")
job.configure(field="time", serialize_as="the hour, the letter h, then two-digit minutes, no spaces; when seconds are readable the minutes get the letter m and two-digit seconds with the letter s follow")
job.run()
12h14
